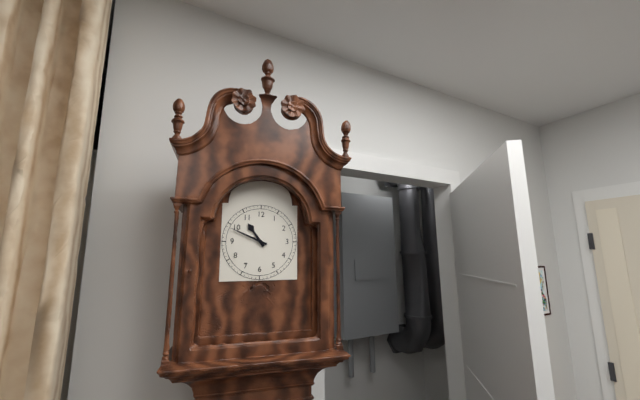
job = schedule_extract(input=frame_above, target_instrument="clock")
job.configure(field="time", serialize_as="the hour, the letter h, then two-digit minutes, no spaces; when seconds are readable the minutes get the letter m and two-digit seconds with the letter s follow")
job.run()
10h49
